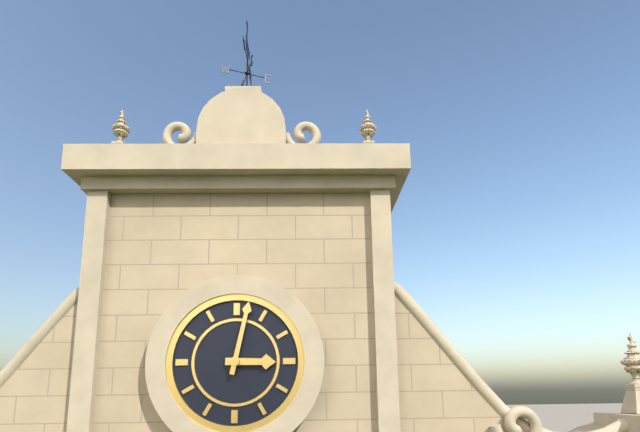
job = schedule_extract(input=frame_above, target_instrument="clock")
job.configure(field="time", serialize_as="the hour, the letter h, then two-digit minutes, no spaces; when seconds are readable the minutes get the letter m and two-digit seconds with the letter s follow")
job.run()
3h02
